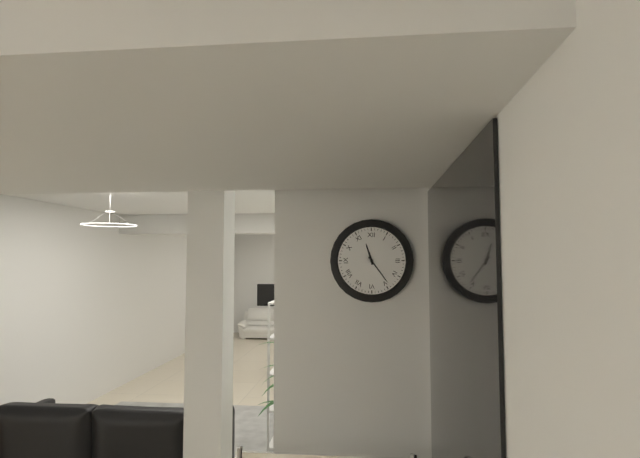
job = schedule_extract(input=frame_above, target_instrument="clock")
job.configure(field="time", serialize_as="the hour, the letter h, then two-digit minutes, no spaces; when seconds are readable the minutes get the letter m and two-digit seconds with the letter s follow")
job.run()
11h24
